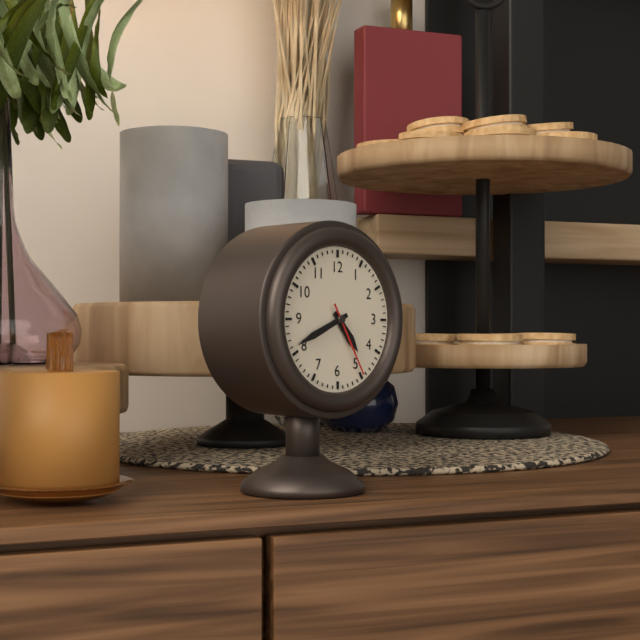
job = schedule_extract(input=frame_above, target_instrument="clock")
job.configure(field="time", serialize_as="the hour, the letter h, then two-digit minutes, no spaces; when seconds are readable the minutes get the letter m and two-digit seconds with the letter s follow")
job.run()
4h41m25s
